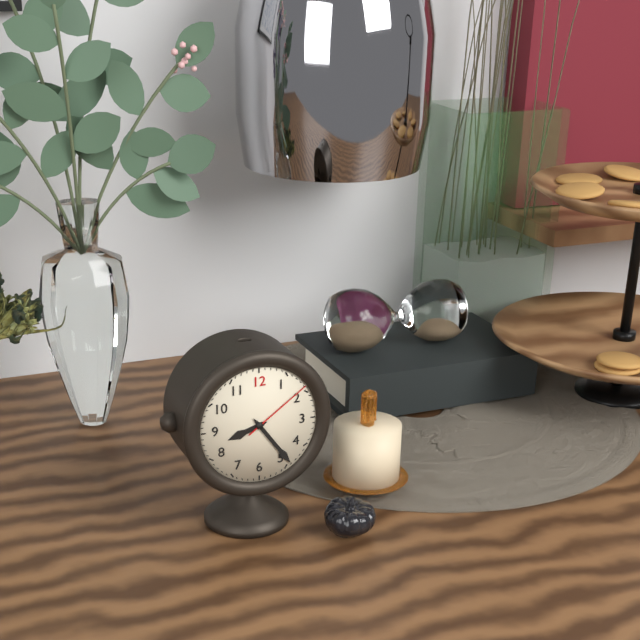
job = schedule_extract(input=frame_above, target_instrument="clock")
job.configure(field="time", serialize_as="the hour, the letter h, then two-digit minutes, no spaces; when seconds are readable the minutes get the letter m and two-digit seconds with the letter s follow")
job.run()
8h24m09s
